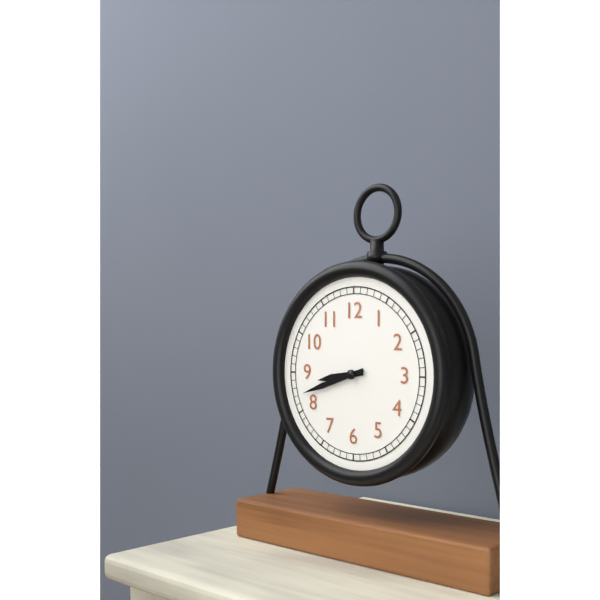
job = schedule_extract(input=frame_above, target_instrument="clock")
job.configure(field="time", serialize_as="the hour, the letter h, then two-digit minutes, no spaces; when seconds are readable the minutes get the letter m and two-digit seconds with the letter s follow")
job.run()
8h42
